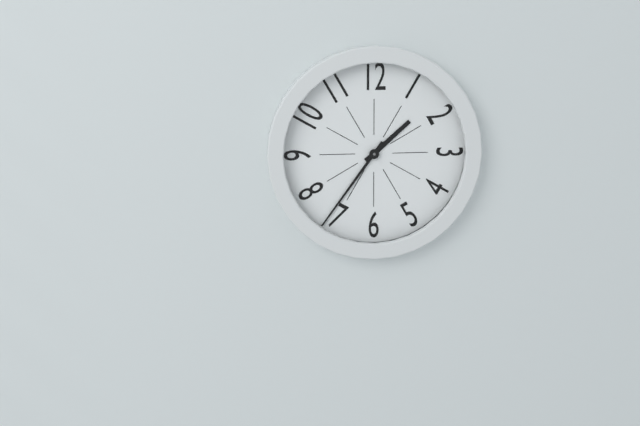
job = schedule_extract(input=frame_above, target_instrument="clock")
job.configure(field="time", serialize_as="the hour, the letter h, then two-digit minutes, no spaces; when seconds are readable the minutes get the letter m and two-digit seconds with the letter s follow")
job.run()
1h36
